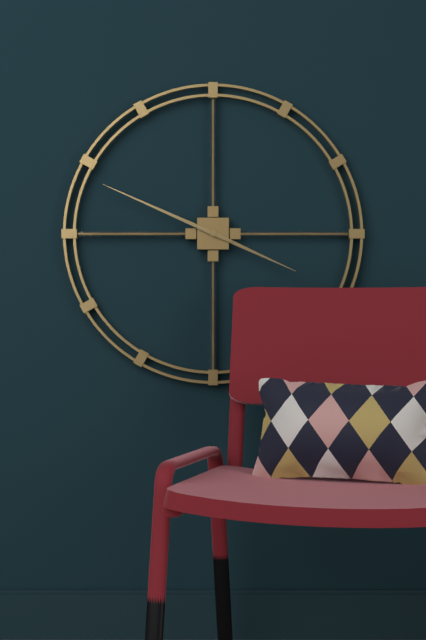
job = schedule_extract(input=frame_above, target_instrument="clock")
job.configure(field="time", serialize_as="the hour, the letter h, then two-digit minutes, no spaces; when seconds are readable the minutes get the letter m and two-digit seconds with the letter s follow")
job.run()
3h49
